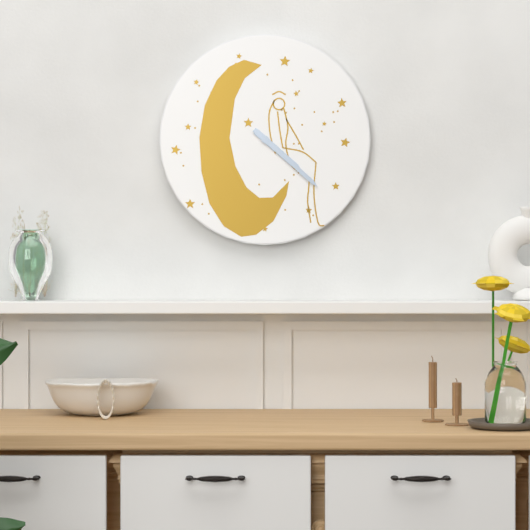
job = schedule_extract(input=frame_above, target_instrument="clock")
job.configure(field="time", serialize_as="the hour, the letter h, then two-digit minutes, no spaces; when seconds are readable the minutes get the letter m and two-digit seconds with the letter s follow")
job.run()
4h22
